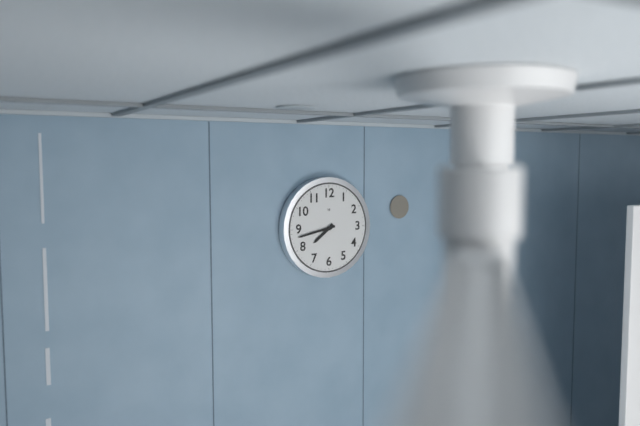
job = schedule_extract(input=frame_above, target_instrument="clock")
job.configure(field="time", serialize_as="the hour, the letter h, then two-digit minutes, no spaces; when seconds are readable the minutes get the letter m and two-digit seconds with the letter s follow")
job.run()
7h43
